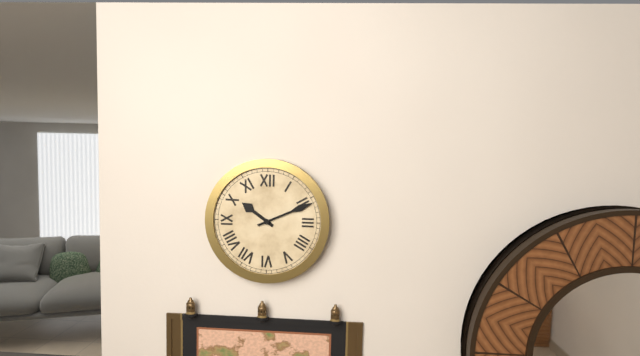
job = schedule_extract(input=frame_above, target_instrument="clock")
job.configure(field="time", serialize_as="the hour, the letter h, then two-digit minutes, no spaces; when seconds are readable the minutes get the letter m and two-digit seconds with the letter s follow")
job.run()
10h11
